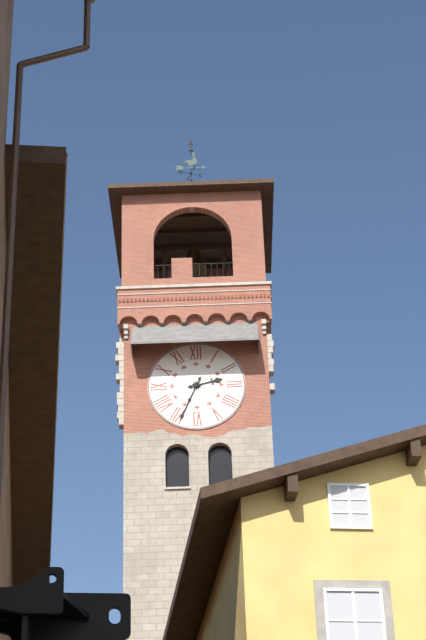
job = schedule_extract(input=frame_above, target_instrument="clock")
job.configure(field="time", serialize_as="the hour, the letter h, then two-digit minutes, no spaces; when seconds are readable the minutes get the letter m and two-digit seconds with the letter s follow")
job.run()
2h34
